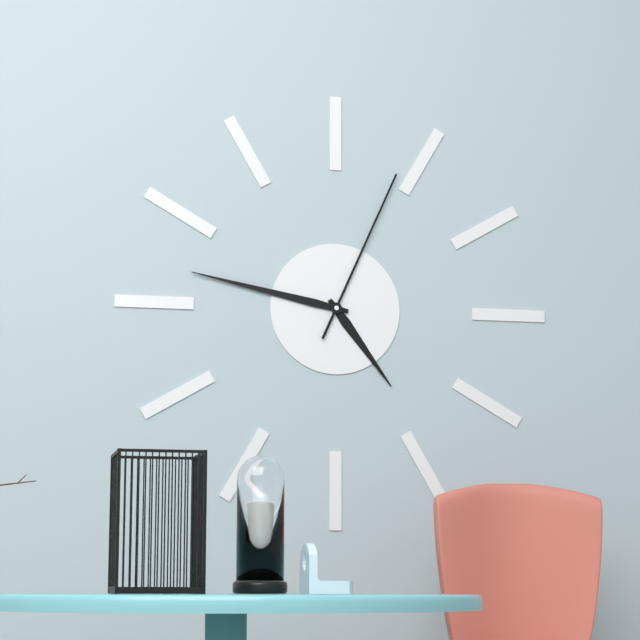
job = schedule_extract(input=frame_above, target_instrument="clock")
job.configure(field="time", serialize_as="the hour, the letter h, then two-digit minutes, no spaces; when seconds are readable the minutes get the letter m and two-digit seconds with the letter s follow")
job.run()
4h47m04s
